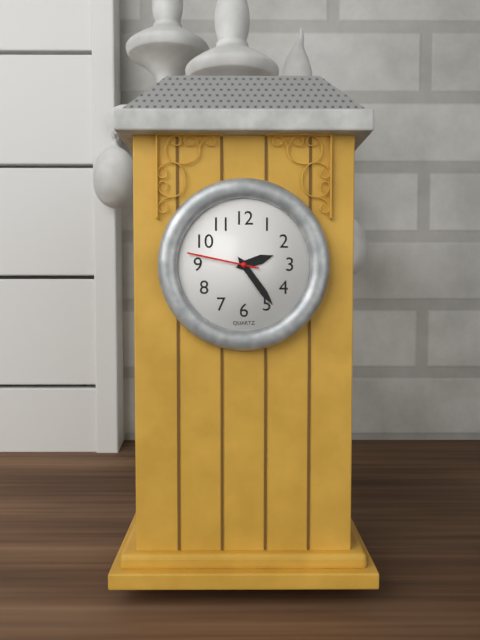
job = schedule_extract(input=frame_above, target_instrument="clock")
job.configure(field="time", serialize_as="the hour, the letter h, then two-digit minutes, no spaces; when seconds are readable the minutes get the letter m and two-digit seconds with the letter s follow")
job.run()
2h24m47s
